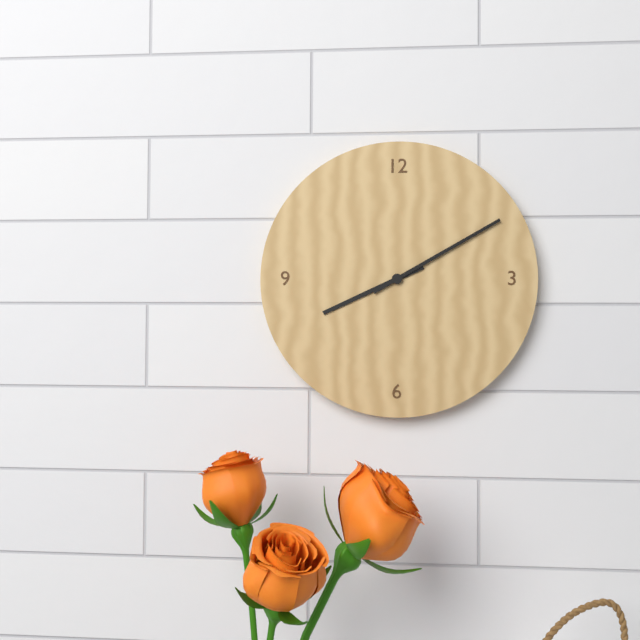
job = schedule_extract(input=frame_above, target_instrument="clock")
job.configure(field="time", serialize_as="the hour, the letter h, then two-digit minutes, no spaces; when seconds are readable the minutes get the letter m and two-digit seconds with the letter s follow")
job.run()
8h10
